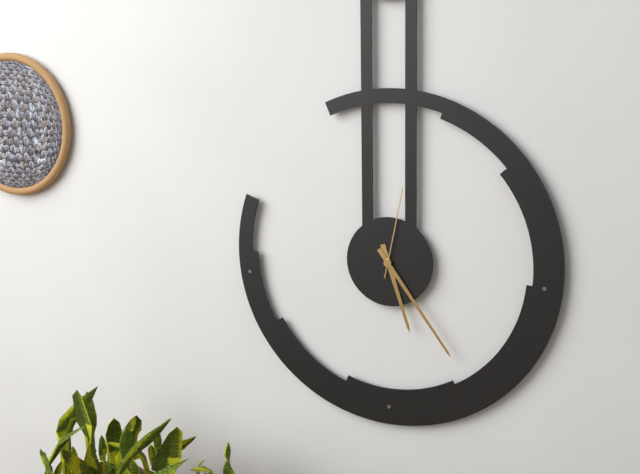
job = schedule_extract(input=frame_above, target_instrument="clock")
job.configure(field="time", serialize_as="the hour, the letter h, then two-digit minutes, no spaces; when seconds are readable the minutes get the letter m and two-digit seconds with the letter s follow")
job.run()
5h24m02s
